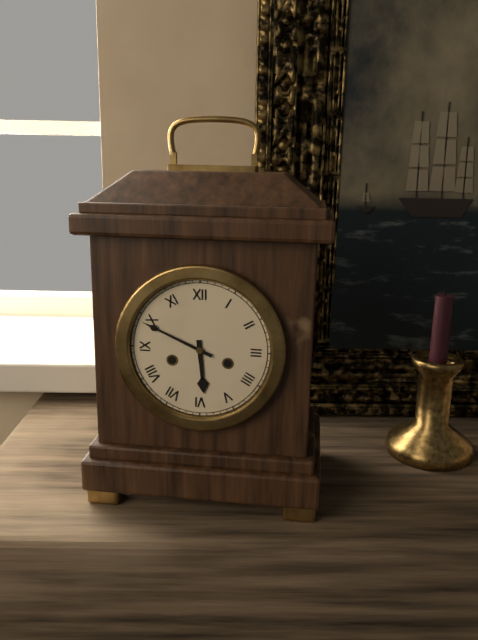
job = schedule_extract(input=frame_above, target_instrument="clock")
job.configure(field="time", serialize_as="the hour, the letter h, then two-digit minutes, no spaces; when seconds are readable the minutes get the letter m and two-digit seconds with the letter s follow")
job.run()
5h49
